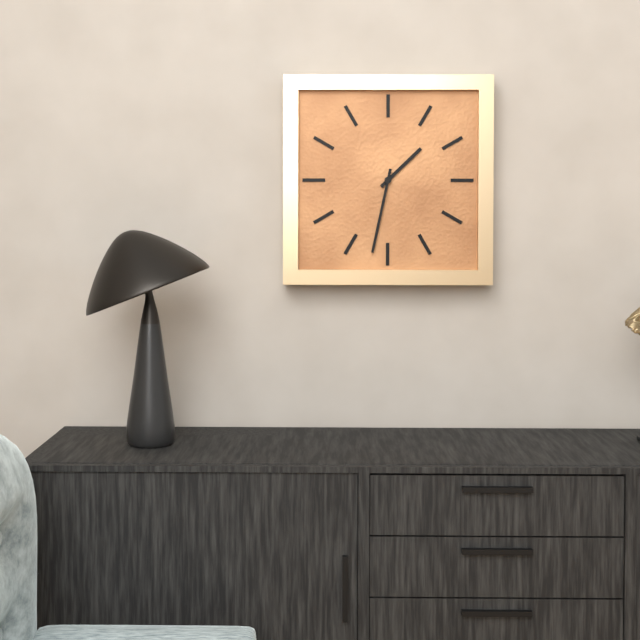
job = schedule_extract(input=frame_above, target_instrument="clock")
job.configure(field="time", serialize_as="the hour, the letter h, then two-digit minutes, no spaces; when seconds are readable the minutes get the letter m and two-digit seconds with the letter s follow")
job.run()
1h32
